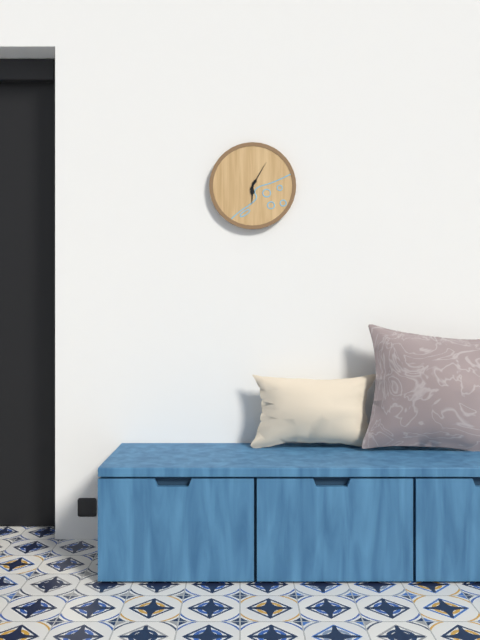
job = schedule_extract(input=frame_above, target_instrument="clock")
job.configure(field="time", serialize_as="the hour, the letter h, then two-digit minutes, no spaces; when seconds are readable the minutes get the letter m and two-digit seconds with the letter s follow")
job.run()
6h05
